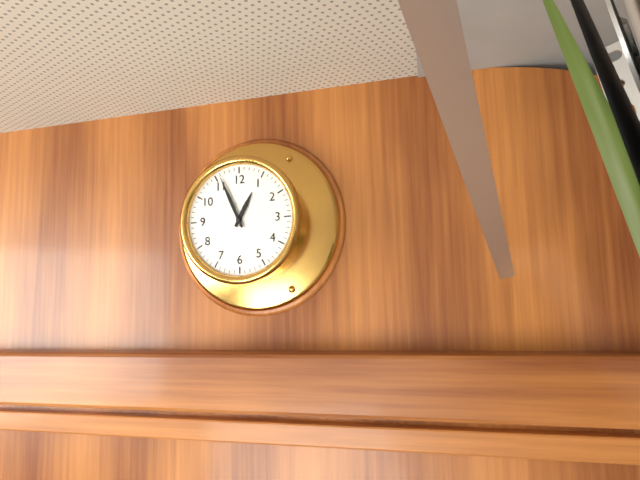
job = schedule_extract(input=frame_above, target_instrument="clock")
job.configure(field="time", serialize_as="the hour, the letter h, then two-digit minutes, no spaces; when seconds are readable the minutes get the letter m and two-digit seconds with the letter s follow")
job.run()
12h56
